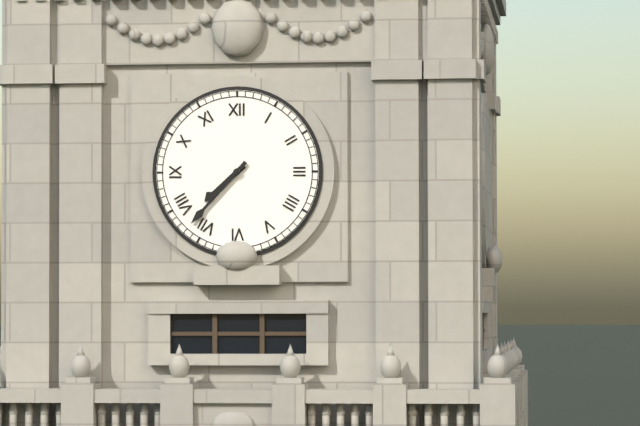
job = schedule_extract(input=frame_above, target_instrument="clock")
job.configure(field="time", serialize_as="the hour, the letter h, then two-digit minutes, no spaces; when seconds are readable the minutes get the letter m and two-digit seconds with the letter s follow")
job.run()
7h37
